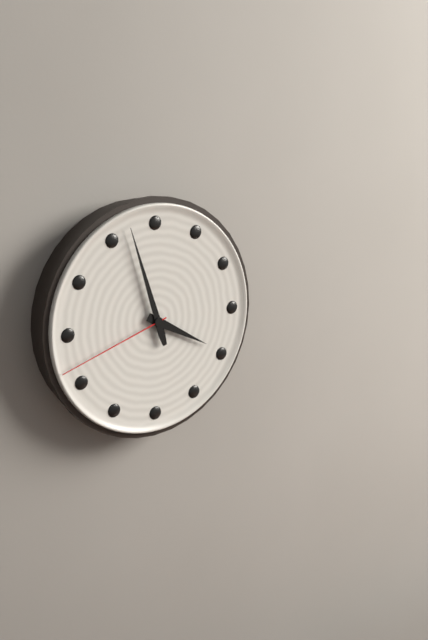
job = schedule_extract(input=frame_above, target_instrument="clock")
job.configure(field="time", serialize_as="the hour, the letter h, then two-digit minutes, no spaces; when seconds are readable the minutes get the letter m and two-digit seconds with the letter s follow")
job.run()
3h57m42s
